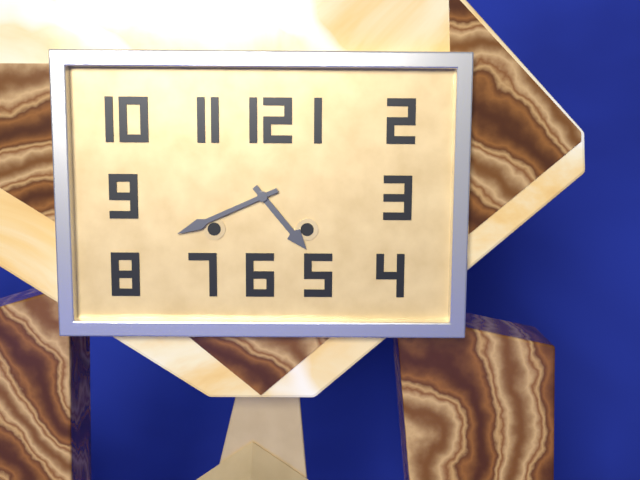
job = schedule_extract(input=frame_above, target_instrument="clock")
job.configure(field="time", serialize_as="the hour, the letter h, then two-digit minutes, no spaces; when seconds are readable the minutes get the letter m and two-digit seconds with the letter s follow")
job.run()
4h41
